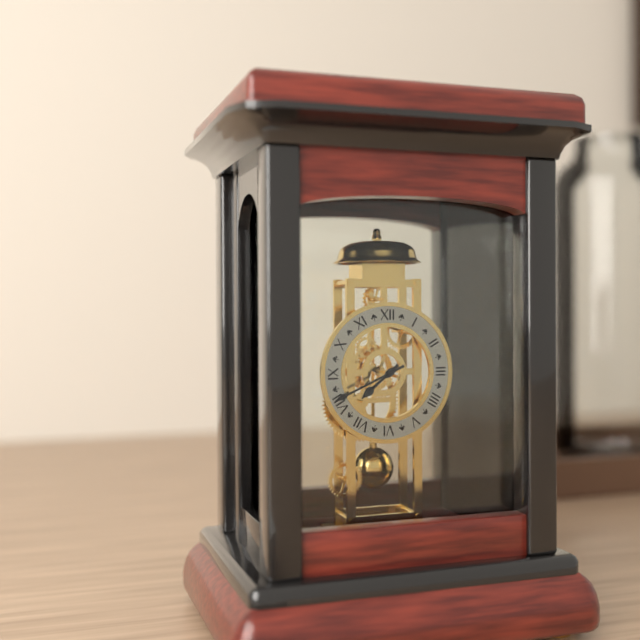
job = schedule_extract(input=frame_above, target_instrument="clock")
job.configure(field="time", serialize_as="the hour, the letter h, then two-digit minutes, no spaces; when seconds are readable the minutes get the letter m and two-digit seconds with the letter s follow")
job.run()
7h41
